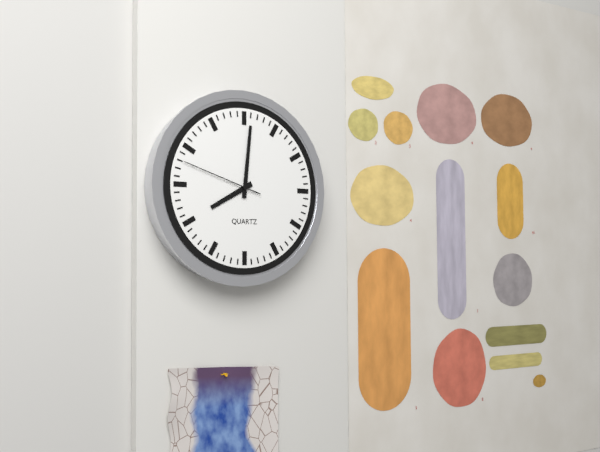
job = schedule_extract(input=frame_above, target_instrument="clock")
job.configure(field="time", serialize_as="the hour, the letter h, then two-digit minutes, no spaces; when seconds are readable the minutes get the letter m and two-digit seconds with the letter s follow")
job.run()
8h01m48s
